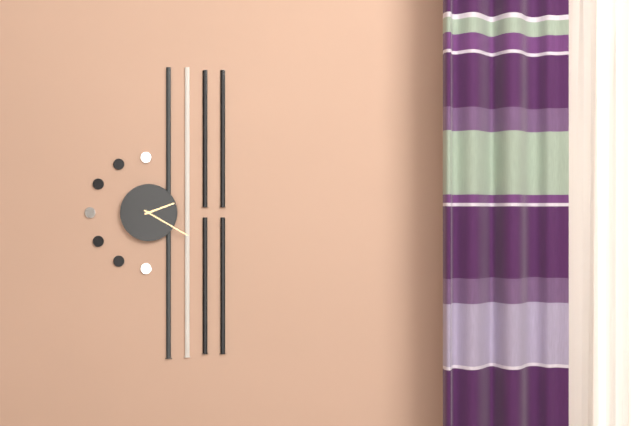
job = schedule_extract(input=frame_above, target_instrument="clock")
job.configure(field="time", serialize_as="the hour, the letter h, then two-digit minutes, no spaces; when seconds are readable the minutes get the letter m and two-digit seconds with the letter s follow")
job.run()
2h20
